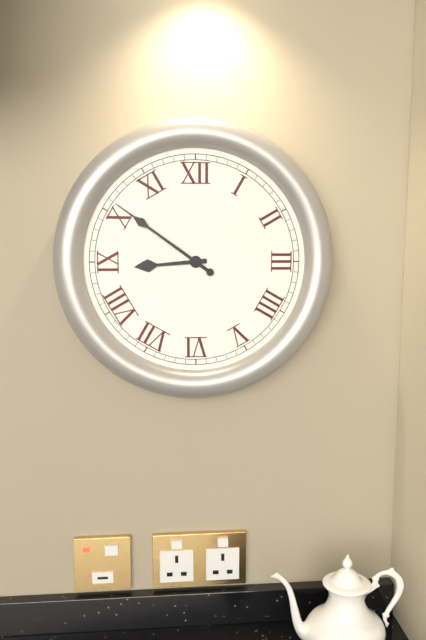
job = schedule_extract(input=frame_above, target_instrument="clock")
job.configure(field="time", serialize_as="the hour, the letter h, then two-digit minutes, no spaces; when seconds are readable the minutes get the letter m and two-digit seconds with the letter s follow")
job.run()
8h51
